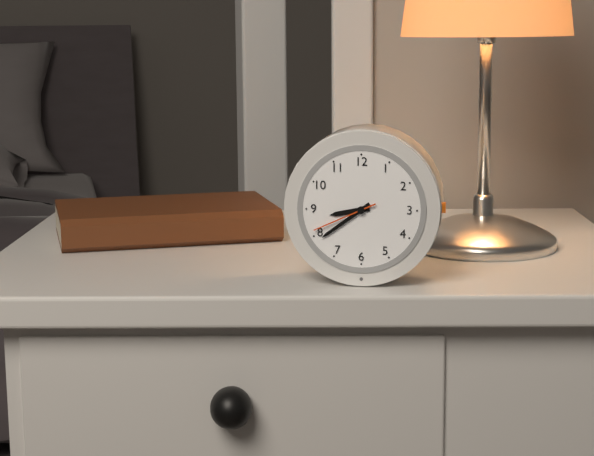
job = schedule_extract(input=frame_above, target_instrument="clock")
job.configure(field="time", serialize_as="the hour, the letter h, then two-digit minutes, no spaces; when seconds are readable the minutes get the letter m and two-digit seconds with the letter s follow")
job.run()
8h39m41s
